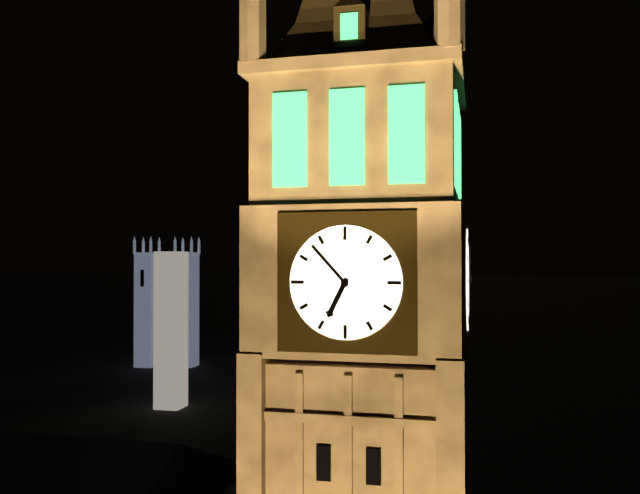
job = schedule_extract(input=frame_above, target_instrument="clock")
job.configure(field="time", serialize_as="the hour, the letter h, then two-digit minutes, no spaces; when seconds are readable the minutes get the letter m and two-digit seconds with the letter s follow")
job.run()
6h53
